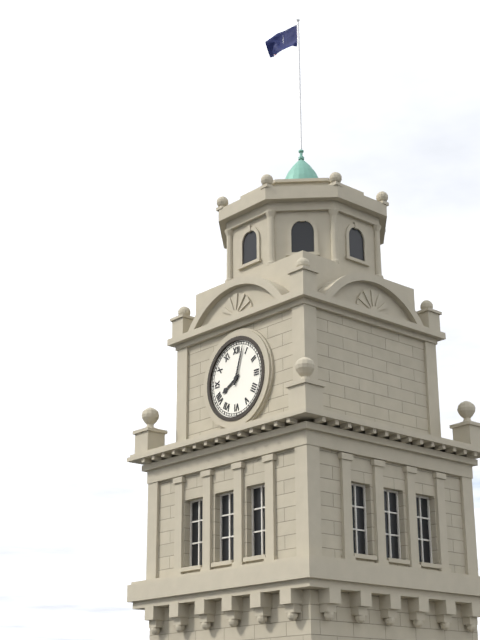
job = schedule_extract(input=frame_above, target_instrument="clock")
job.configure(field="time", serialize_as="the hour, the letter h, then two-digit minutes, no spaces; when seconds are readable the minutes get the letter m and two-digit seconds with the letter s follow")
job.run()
8h03
